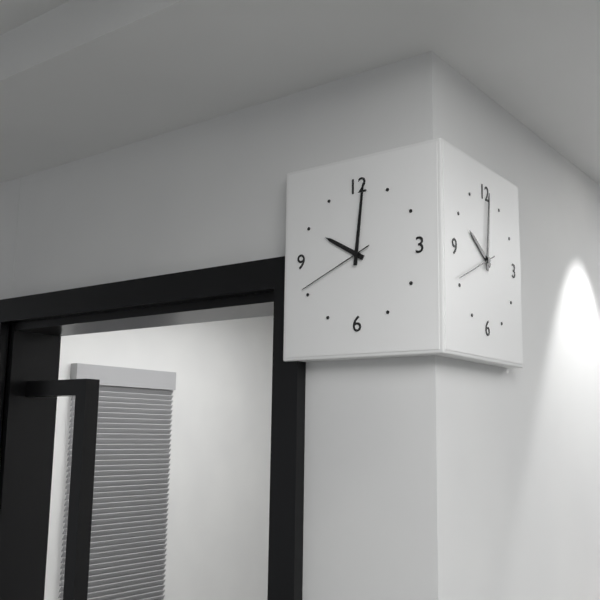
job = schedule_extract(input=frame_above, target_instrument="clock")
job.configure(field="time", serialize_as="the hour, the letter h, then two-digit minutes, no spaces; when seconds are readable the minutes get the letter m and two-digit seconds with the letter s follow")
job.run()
10h01m41s
